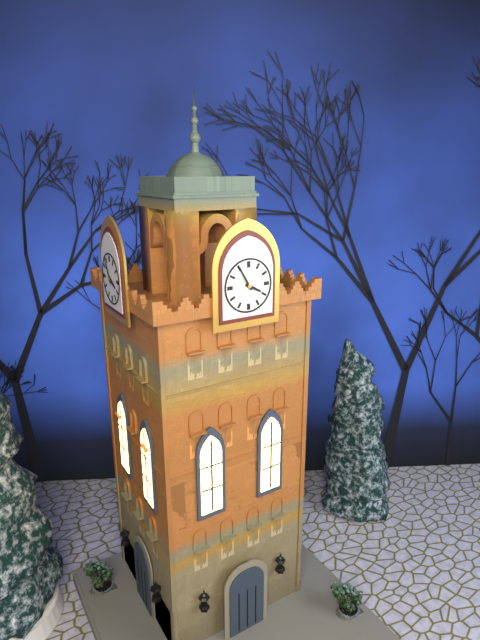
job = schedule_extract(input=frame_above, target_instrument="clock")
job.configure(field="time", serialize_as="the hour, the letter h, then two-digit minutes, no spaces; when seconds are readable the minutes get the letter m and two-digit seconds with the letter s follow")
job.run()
3h55
